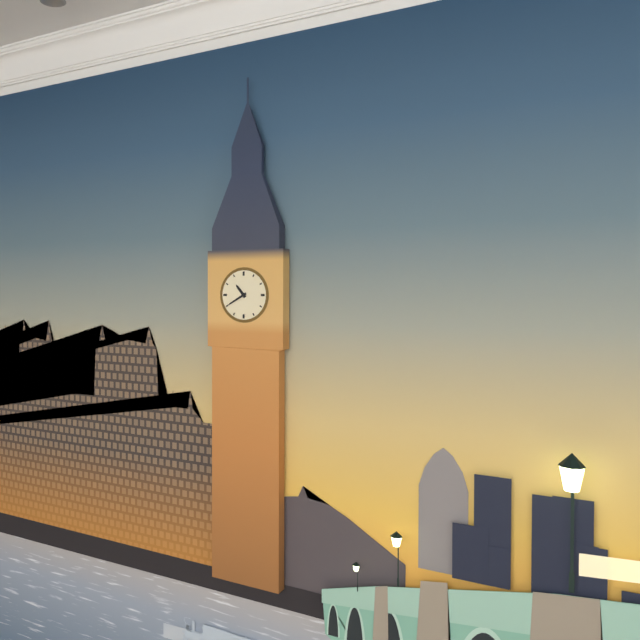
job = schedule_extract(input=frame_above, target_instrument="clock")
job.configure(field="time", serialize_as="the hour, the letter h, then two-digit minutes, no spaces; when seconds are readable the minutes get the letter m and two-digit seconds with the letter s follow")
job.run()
10h40
